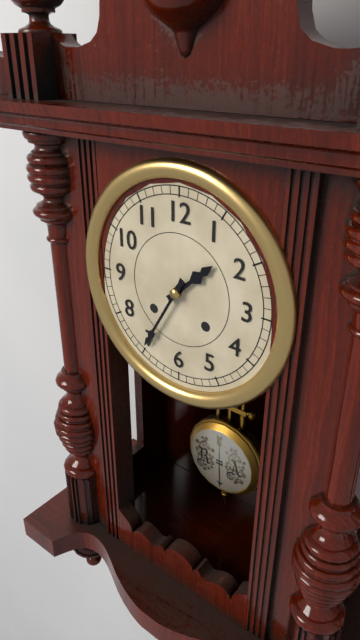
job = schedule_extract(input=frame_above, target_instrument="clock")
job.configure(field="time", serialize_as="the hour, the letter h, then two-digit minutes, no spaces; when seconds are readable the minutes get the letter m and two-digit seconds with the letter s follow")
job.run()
1h35
